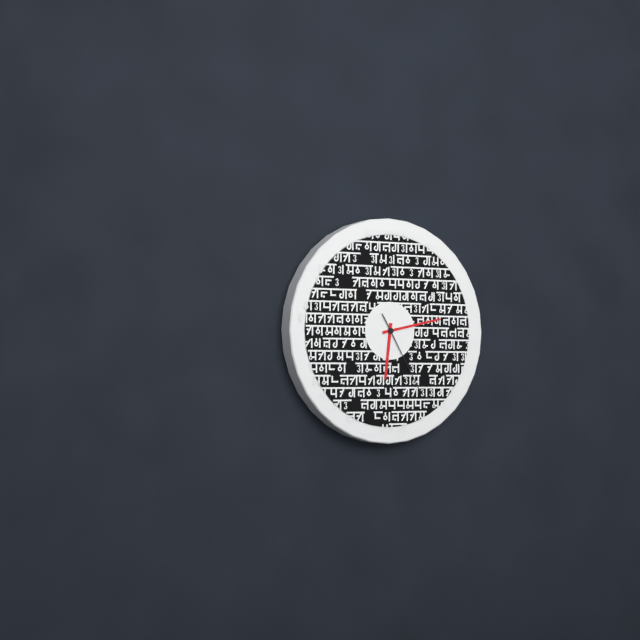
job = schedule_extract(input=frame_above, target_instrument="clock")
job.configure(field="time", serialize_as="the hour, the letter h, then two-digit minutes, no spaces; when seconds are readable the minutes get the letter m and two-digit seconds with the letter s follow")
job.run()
6h13m25s
